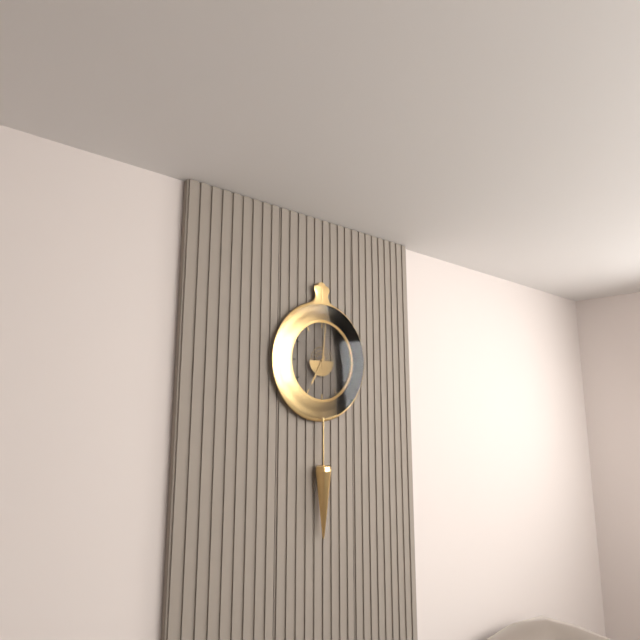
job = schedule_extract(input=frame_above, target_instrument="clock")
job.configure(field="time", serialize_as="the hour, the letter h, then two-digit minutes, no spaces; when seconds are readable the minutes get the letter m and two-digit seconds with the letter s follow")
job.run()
7h01
